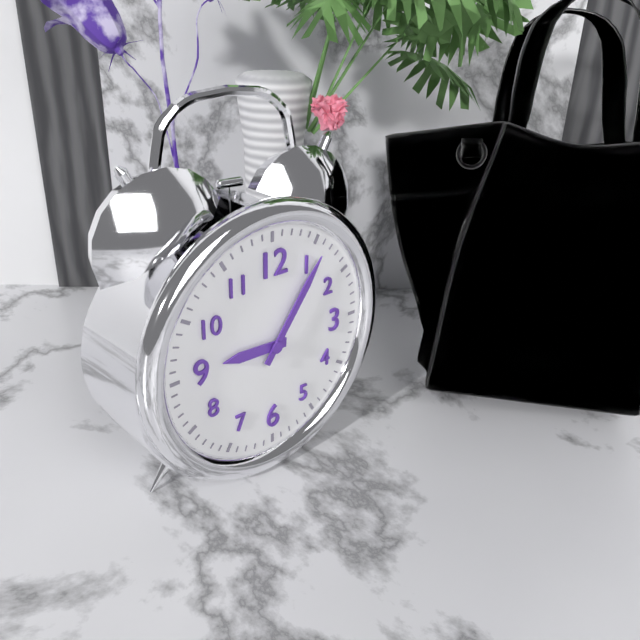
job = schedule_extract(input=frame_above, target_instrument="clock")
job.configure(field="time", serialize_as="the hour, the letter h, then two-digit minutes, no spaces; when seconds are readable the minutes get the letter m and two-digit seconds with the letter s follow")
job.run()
9h06
